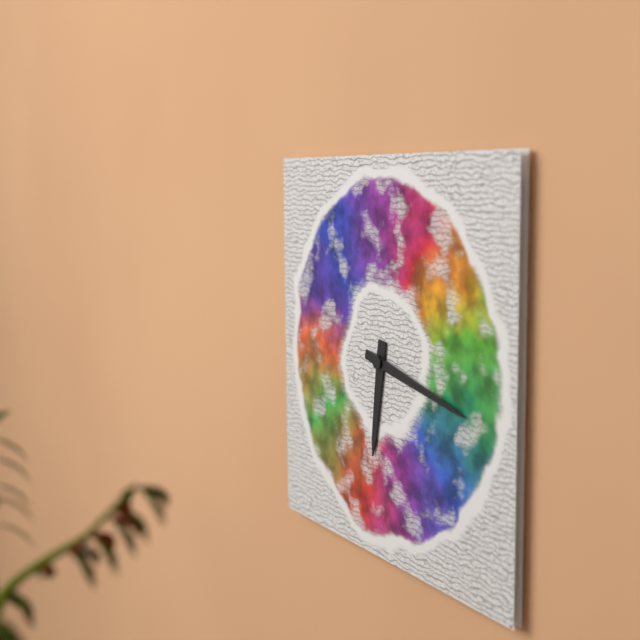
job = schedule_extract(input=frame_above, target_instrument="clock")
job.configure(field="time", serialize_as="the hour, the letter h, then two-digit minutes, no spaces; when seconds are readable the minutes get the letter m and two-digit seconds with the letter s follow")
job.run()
6h17
